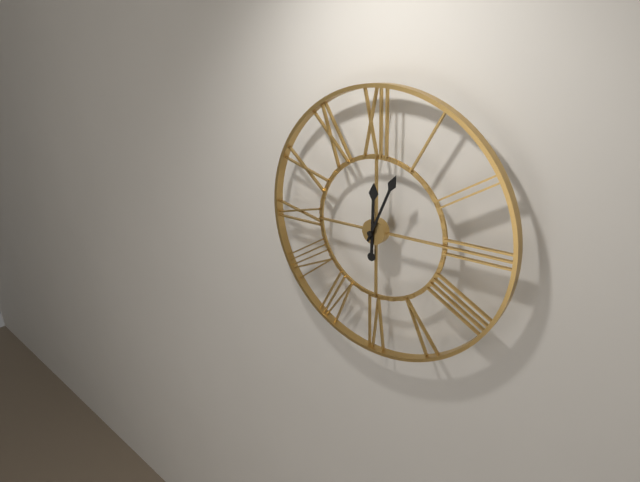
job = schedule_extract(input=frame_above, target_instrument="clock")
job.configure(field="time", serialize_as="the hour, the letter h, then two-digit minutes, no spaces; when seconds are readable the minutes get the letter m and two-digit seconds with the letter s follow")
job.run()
12h04
